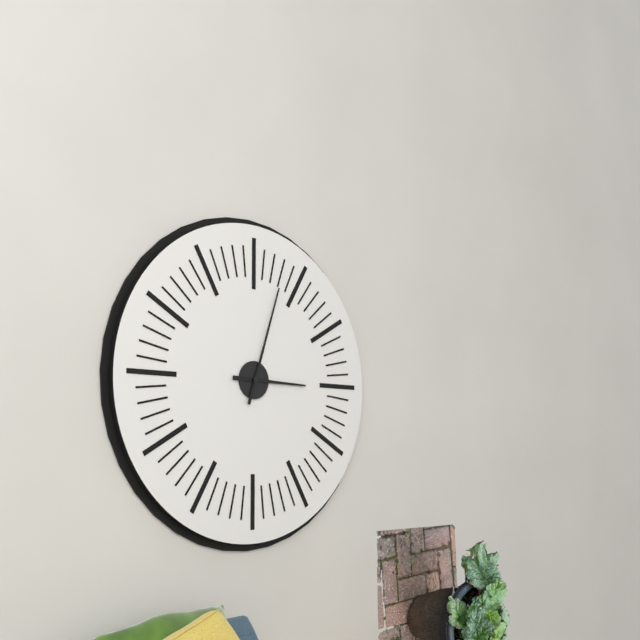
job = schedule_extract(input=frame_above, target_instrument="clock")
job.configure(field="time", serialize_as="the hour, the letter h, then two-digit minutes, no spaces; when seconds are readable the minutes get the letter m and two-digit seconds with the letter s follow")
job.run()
3h03
